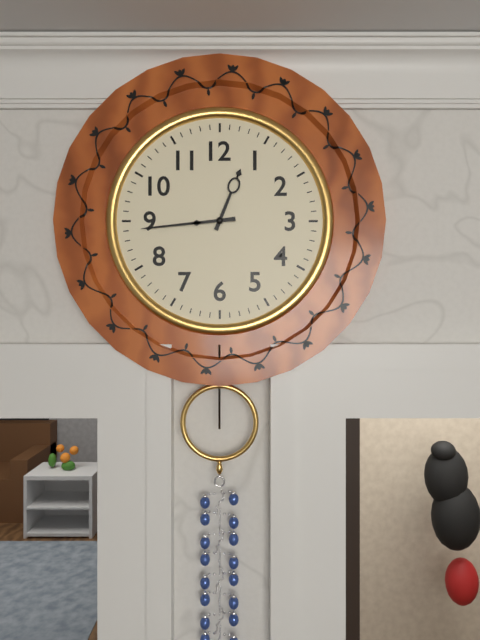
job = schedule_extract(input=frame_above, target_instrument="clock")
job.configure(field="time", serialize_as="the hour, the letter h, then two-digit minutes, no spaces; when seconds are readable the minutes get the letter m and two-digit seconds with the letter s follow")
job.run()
12h44
